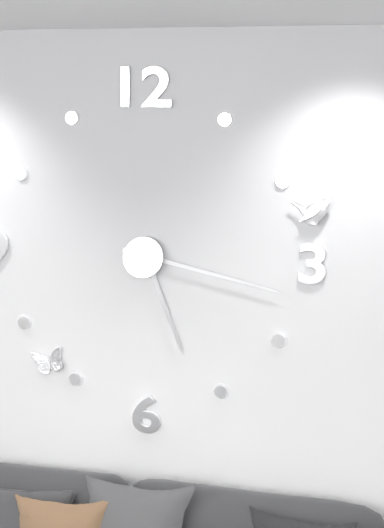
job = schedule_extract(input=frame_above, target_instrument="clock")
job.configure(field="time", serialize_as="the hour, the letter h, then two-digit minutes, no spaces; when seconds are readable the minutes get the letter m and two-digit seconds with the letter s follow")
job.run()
5h17
